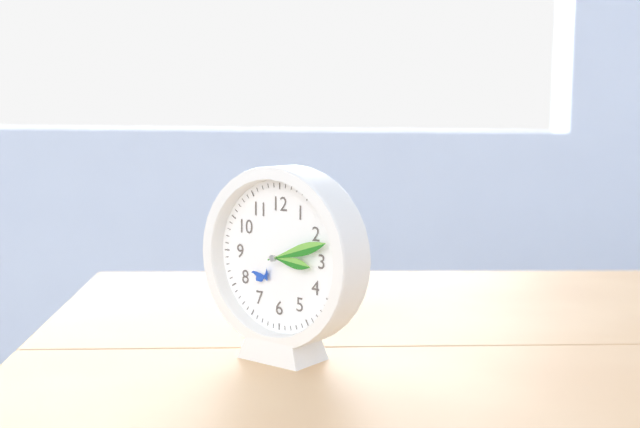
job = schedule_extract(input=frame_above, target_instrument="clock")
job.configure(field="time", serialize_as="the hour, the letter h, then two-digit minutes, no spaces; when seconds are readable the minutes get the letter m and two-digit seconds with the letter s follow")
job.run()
3h12
